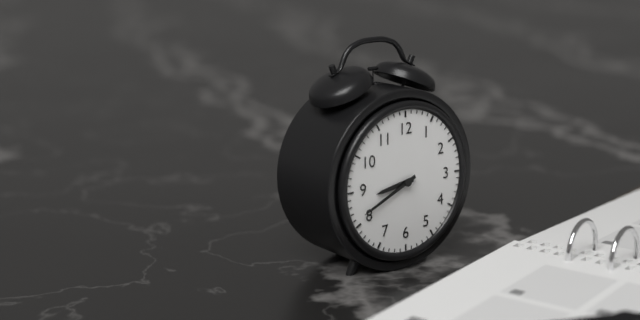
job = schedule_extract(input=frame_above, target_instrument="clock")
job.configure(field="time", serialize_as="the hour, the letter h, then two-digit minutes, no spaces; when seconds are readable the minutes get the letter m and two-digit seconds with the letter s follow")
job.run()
8h41
